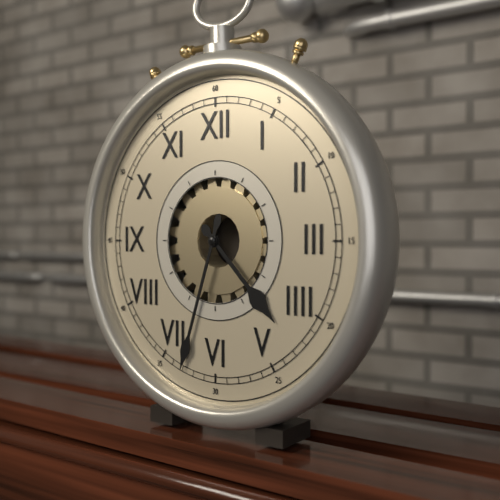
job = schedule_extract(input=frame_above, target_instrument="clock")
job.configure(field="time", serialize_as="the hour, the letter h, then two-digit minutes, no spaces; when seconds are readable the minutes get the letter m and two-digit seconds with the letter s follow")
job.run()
4h33
